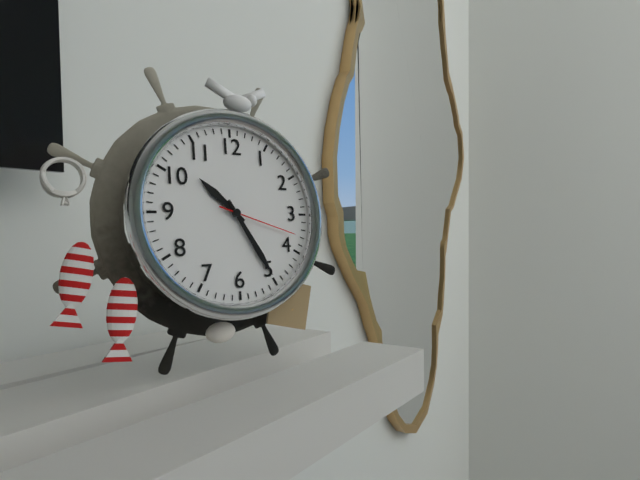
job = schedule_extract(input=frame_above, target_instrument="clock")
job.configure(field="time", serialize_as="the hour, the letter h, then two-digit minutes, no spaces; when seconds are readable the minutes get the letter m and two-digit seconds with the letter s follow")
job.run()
10h25m18s
